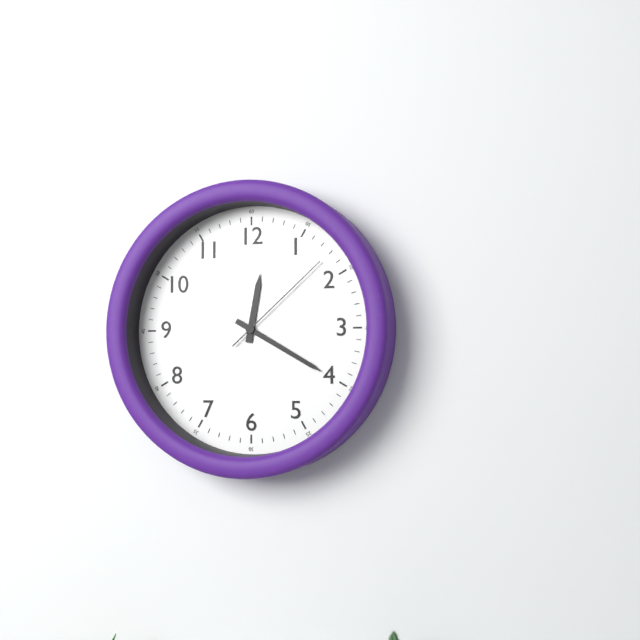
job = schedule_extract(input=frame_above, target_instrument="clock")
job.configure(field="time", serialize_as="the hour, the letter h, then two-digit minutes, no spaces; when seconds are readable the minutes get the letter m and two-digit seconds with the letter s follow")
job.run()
12h20m08s
